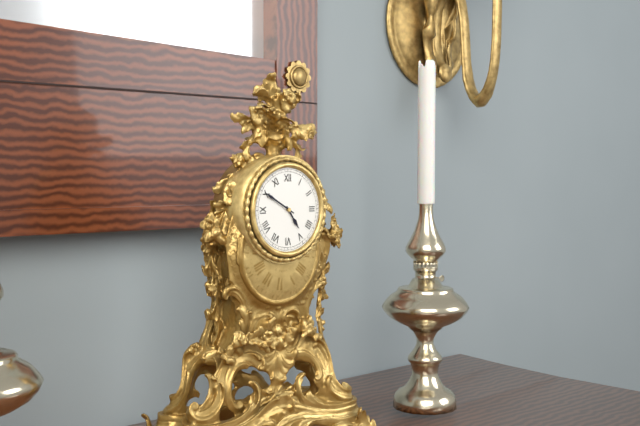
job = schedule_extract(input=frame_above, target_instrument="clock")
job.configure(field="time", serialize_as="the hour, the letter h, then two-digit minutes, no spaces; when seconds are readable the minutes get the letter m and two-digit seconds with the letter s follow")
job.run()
4h50
